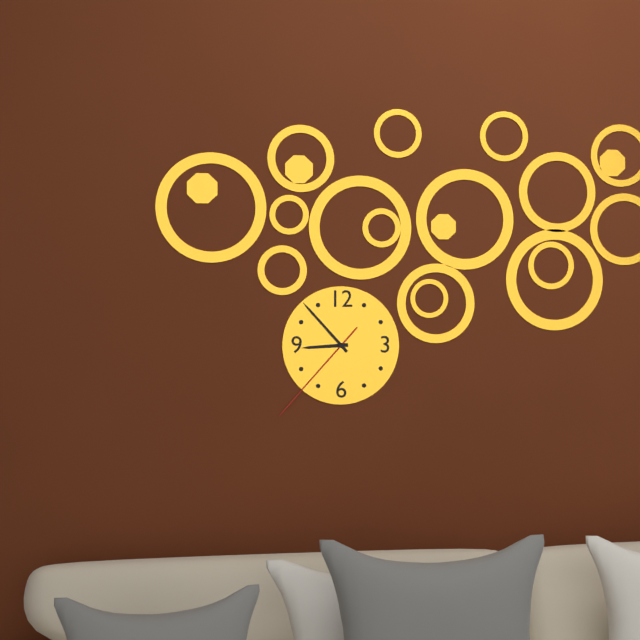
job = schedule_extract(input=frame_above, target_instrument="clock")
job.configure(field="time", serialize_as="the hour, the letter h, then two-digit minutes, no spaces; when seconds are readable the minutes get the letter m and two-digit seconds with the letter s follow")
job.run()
8h53m37s
